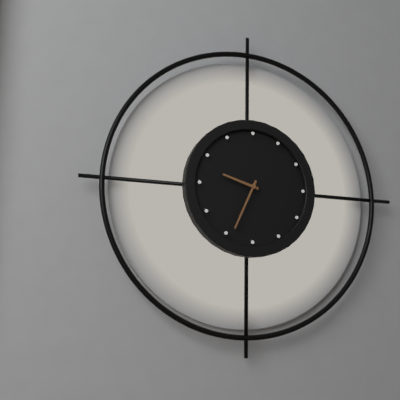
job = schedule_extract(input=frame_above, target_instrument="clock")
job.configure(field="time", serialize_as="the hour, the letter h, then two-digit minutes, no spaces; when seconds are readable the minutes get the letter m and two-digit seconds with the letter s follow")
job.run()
9h34
